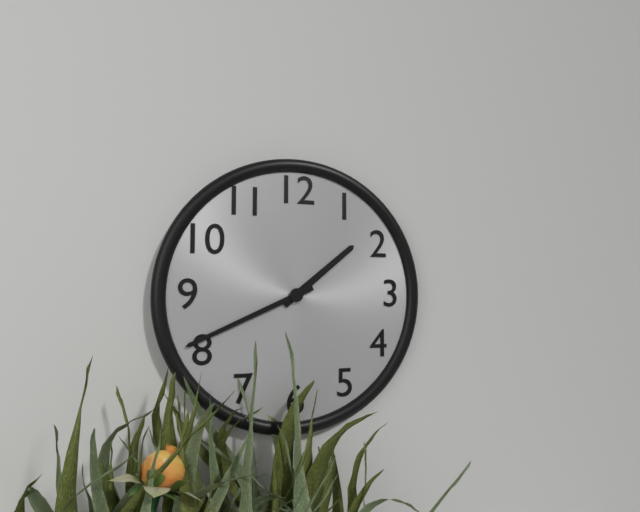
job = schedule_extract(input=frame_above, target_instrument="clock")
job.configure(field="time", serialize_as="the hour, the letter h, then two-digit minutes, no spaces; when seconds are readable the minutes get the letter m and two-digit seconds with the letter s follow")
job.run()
1h41
